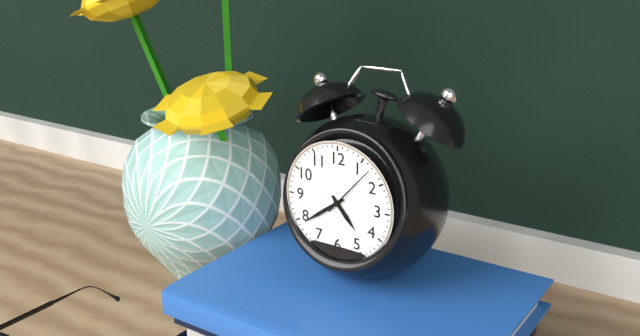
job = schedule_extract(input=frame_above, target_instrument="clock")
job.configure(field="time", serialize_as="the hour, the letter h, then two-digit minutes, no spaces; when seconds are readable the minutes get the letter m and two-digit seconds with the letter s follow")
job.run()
4h39m07s
